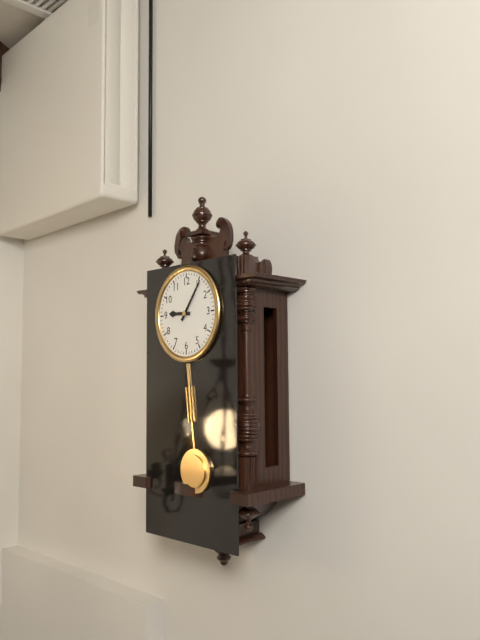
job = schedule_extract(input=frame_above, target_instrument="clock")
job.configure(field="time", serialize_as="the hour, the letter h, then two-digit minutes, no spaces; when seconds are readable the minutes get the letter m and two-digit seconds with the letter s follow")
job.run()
9h06
